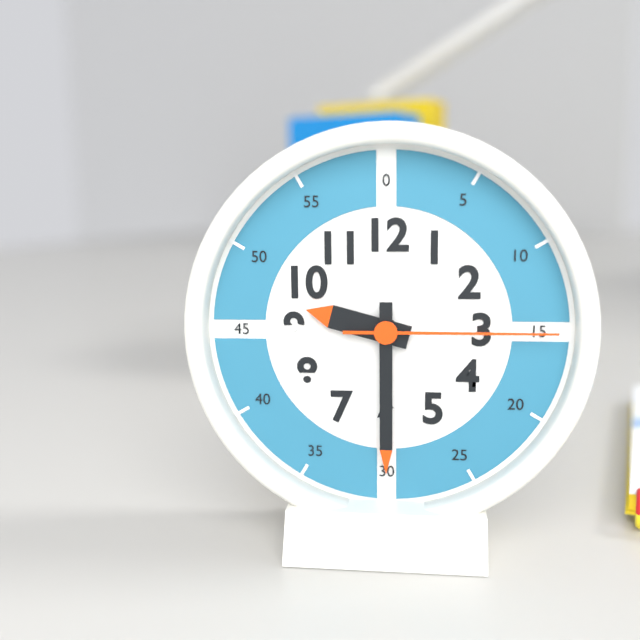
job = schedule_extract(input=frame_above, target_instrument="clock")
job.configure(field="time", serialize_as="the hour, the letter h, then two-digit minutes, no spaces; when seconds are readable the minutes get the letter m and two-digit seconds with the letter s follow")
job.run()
9h30m15s
